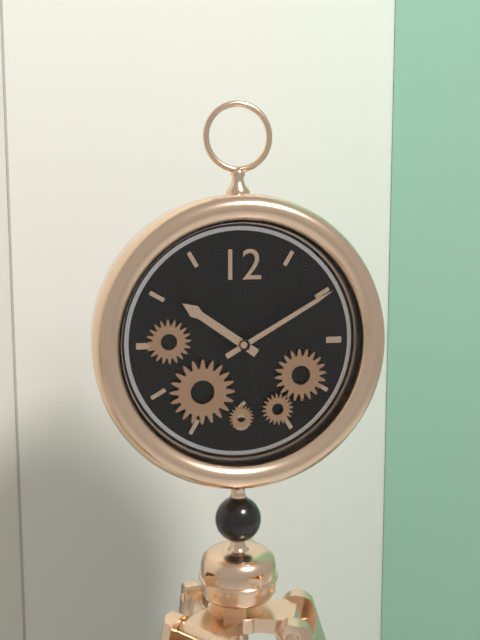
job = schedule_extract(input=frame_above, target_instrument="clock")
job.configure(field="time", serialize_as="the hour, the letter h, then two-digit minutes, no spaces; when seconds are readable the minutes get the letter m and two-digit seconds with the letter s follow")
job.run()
10h10
